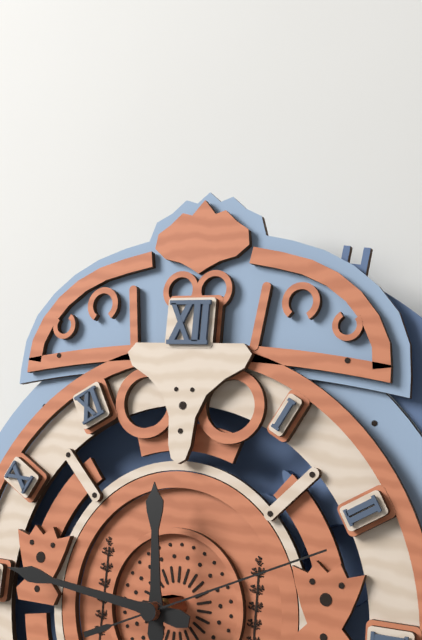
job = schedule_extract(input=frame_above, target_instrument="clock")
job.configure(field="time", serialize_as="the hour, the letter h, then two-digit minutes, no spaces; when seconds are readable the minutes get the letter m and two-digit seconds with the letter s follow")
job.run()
11h46m11s
